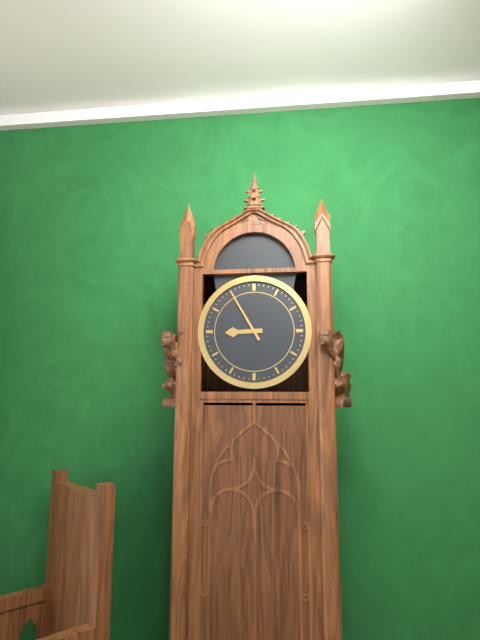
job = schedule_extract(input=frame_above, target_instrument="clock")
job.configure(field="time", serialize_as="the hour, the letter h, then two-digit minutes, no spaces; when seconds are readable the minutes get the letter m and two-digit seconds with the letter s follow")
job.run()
8h55
